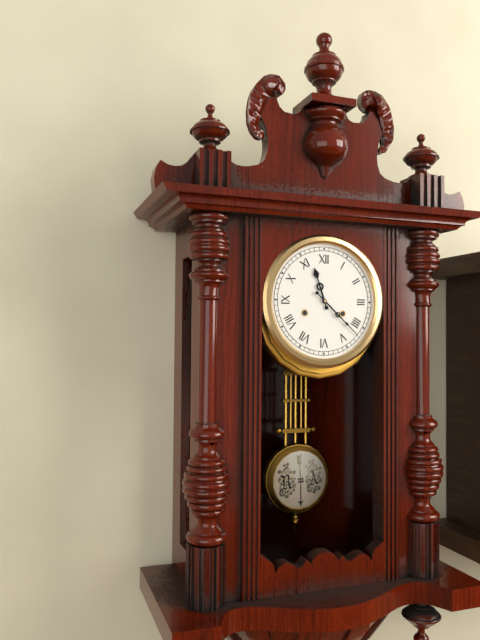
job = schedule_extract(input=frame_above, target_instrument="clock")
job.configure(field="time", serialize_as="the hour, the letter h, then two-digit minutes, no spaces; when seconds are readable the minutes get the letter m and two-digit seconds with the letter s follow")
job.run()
11h22
